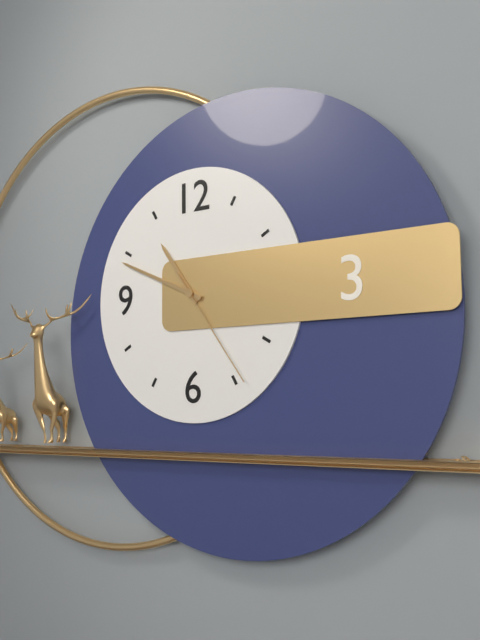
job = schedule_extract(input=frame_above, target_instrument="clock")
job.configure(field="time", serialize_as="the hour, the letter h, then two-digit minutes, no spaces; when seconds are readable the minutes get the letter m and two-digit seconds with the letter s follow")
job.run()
10h49m24s
